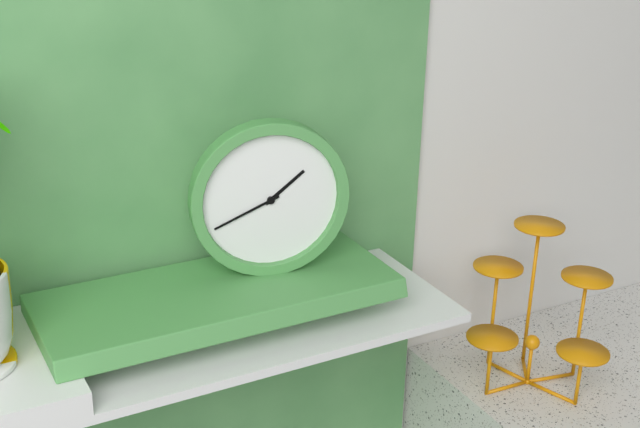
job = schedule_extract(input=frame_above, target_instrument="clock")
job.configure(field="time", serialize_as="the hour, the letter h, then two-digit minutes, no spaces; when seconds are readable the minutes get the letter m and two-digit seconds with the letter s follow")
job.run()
1h41
